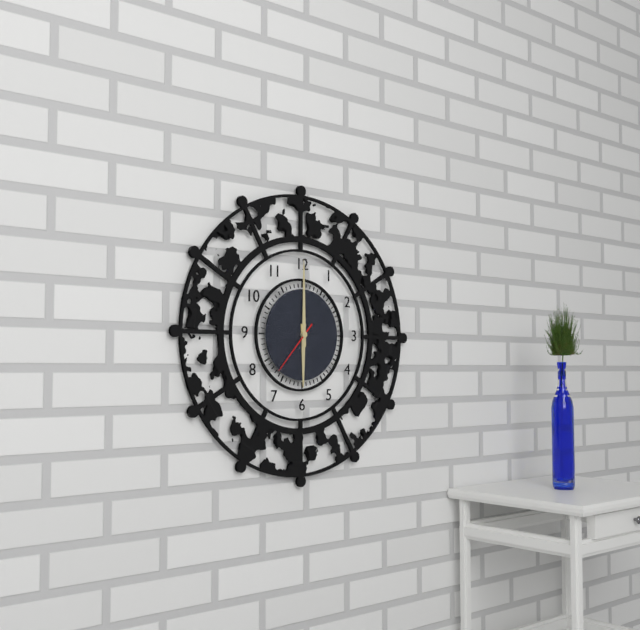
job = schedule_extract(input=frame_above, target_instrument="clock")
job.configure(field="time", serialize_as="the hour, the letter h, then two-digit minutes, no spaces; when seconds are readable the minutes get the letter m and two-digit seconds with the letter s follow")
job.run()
6h00m37s
